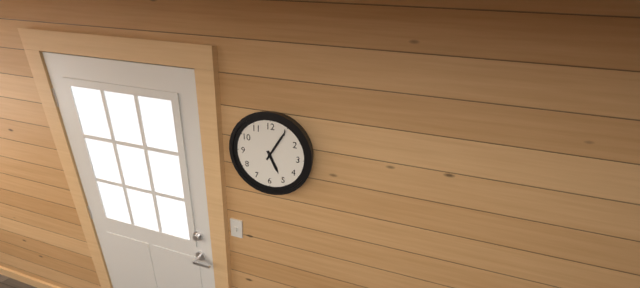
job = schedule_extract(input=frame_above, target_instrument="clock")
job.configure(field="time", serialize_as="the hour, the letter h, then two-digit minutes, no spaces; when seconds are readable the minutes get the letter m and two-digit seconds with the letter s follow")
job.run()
5h05
